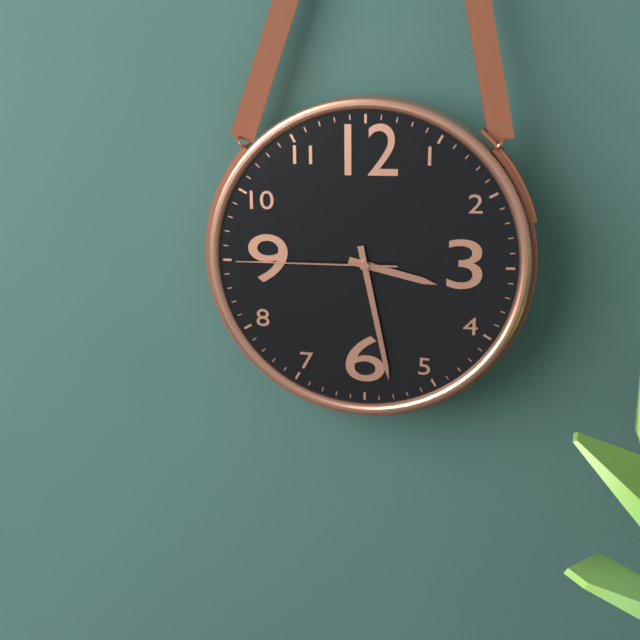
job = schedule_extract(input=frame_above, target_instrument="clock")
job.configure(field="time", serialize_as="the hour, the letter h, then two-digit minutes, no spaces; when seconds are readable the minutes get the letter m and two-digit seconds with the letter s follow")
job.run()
3h28m45s
